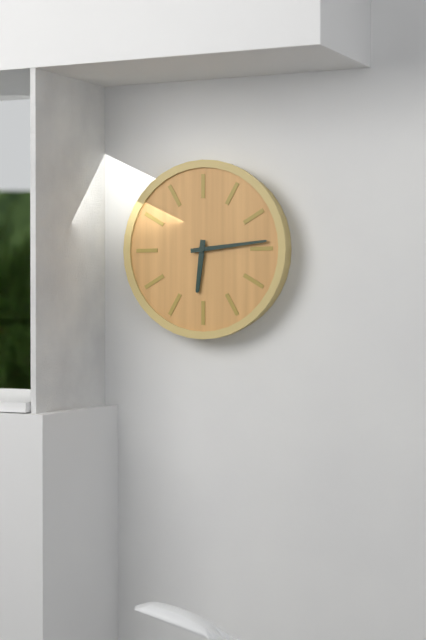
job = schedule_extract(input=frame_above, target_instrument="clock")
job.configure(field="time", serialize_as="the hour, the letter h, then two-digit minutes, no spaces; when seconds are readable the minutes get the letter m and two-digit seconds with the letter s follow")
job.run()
6h14
